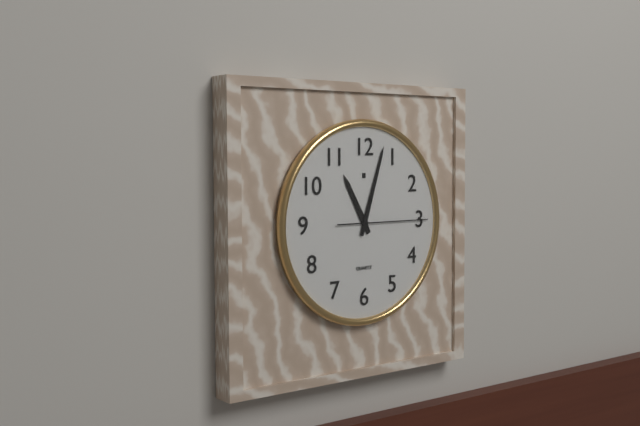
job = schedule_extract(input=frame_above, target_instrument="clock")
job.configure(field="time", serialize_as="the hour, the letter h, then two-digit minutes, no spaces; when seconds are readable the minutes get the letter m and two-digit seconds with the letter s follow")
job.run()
11h03m15s
